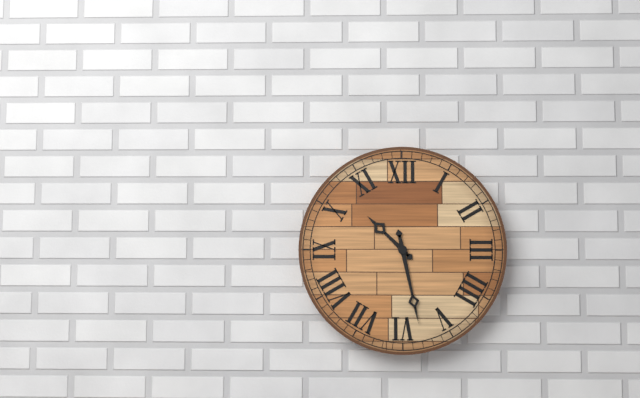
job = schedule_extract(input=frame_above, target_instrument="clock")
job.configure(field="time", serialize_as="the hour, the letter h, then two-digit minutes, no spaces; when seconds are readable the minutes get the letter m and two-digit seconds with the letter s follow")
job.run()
10h28
